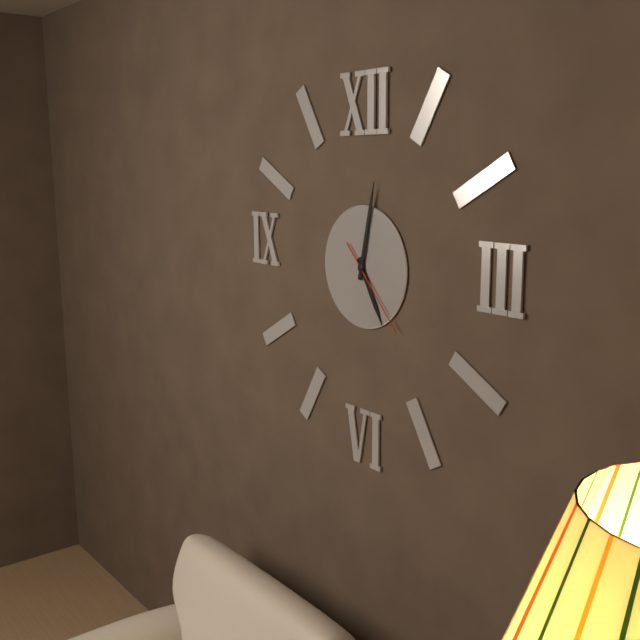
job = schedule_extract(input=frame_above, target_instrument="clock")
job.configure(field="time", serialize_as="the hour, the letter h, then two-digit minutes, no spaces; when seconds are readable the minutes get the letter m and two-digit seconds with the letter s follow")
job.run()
5h02m23s
